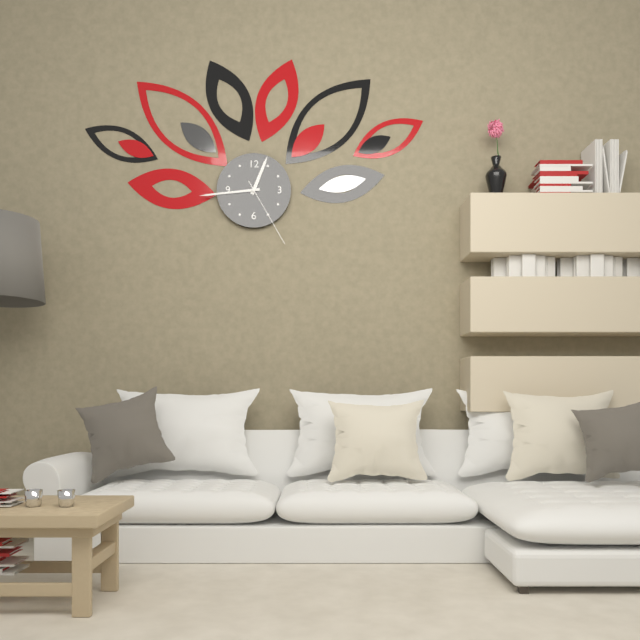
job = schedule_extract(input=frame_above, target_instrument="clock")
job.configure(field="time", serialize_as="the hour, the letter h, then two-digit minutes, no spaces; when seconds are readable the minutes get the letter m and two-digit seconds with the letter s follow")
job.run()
12h44m25s
